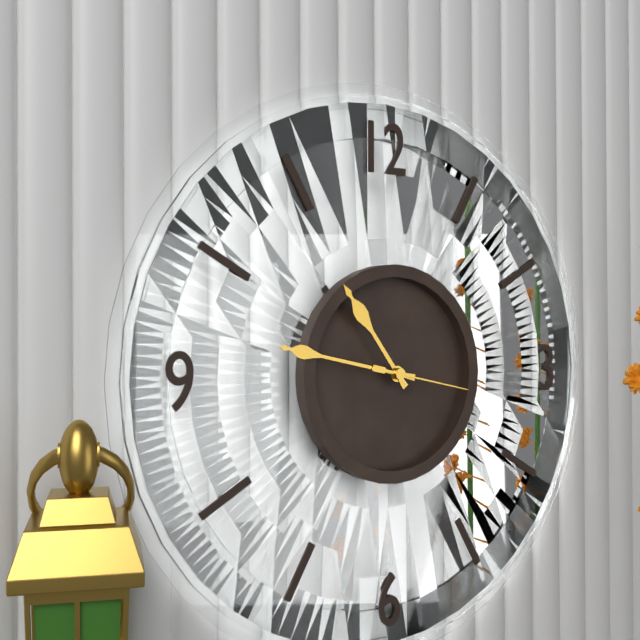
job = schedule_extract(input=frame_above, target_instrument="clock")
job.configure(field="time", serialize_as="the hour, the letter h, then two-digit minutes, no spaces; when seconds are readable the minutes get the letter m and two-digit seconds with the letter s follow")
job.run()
10h47m17s
